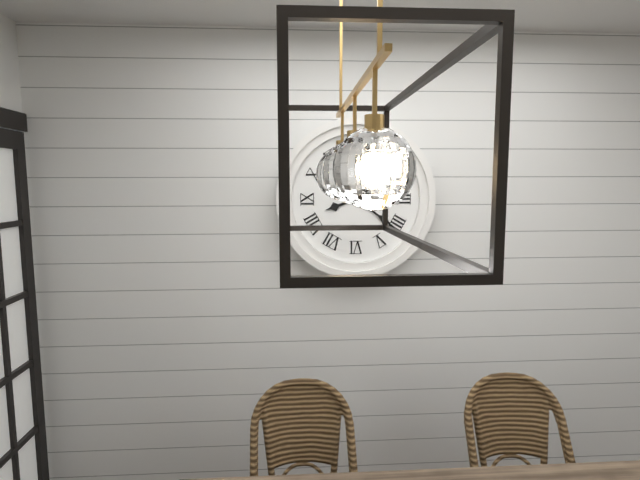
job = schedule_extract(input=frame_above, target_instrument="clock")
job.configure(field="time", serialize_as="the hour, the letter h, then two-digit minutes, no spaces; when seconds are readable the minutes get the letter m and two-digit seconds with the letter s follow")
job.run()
8h21
